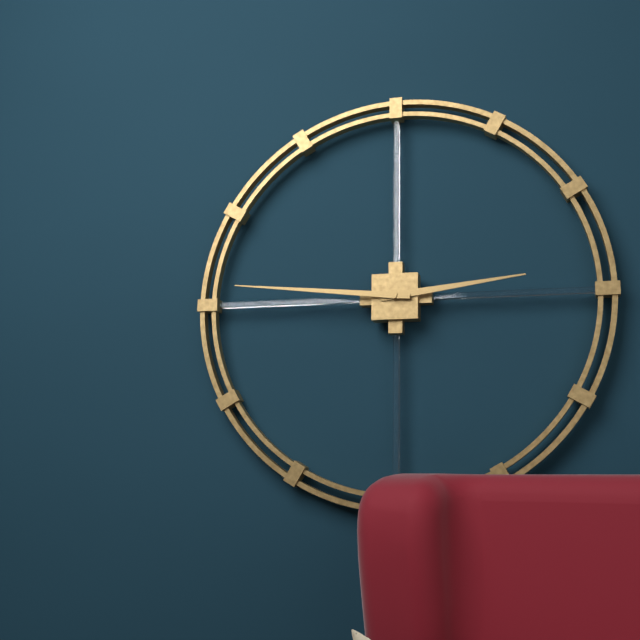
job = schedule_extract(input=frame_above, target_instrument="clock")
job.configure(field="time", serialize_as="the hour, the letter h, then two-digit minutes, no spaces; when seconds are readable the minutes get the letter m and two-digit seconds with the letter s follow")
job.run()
2h46
